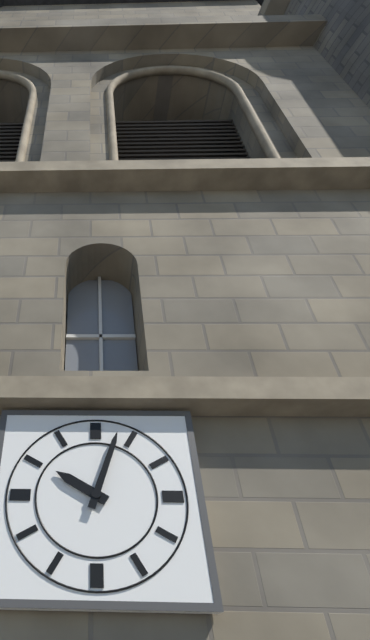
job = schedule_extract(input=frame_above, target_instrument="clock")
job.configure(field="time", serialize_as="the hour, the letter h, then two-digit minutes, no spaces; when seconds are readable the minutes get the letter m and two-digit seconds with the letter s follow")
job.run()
10h03
